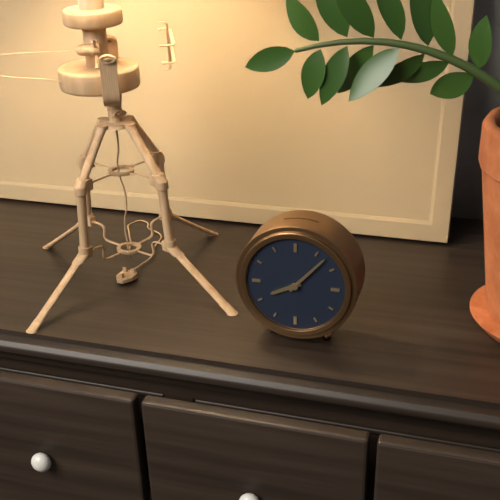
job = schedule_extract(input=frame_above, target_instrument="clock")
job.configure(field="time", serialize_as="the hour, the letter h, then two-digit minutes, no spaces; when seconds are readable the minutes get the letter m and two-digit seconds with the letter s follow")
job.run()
8h07
